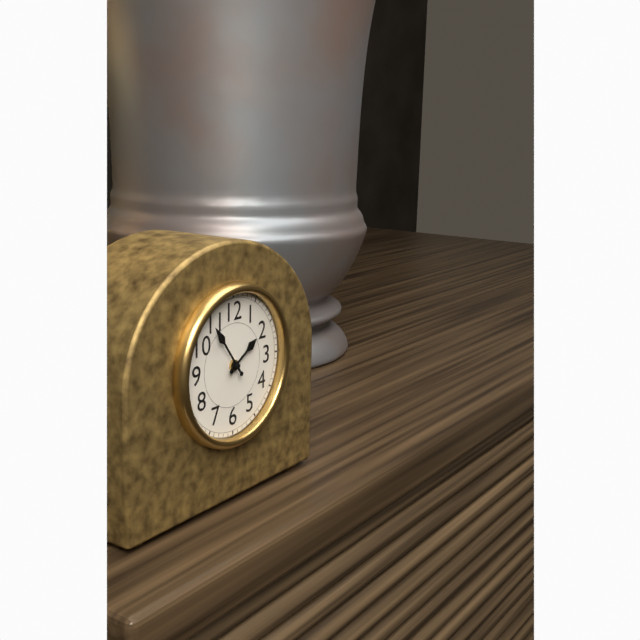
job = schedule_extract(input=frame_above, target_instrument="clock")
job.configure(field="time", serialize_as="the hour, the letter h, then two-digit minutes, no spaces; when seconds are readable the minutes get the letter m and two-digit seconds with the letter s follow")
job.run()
1h54
